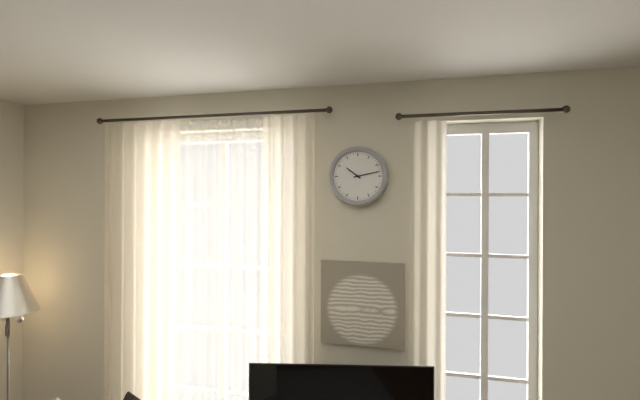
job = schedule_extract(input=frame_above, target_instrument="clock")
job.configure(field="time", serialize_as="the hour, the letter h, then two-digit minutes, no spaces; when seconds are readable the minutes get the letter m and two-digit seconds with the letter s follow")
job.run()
10h13
